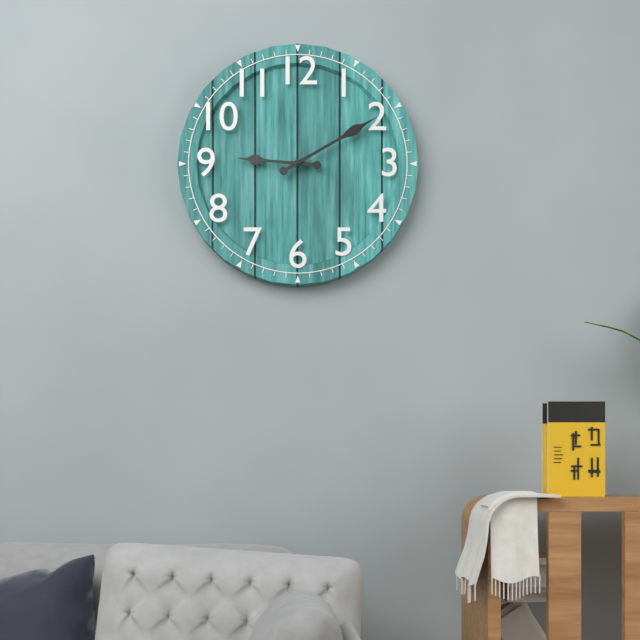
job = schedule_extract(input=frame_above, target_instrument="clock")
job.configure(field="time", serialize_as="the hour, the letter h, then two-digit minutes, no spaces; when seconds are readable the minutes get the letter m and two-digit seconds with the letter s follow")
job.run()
9h10
